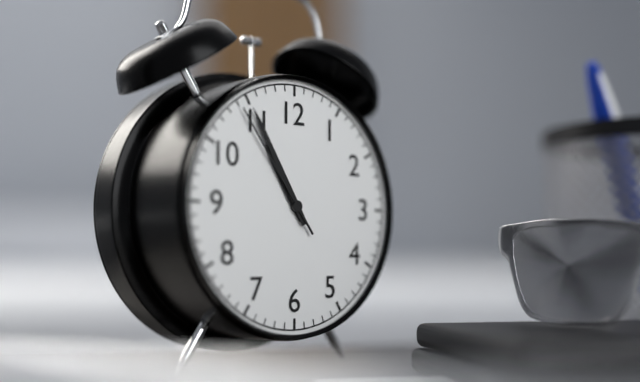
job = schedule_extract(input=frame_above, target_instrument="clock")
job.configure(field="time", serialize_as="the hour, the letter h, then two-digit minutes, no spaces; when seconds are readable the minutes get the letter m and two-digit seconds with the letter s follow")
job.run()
10h55m54s
